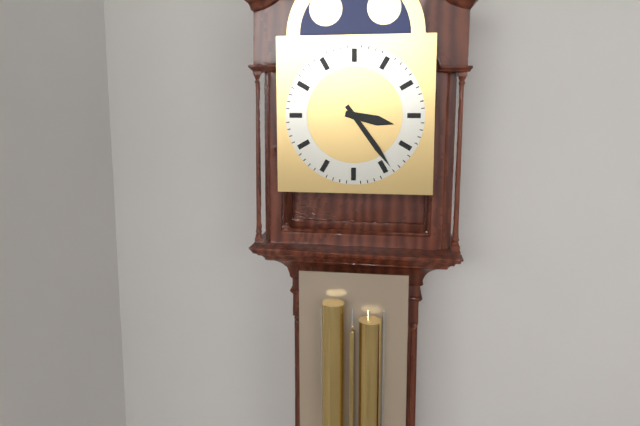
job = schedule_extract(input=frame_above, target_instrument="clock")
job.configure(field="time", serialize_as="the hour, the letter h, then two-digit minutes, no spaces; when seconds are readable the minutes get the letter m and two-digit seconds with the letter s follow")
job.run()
3h24
